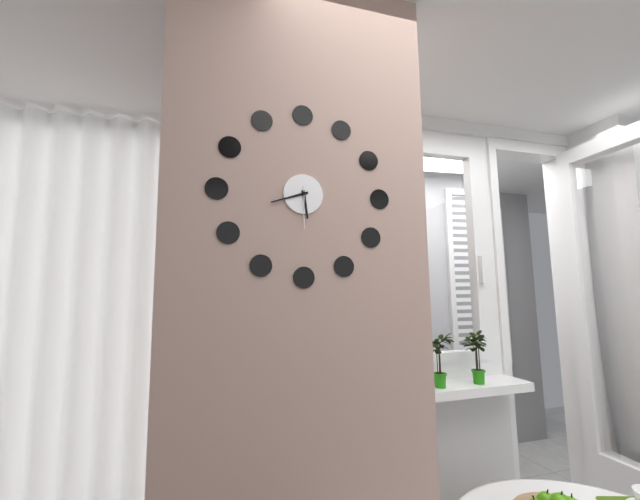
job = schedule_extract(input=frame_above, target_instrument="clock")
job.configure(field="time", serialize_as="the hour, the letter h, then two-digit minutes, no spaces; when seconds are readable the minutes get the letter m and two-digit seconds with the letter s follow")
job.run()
5h42
